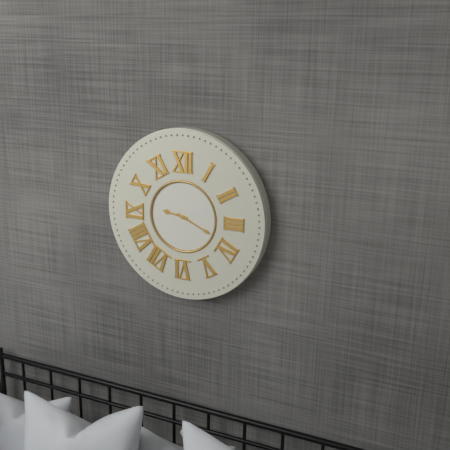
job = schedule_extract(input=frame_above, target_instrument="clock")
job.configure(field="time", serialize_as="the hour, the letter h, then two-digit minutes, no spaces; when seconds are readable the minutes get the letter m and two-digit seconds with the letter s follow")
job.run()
9h19
